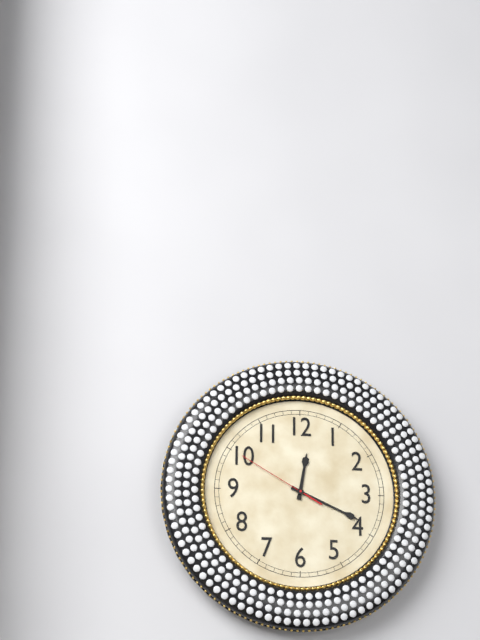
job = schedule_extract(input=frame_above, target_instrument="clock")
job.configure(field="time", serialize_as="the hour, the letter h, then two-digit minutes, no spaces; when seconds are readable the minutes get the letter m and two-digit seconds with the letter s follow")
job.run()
12h19m50s
